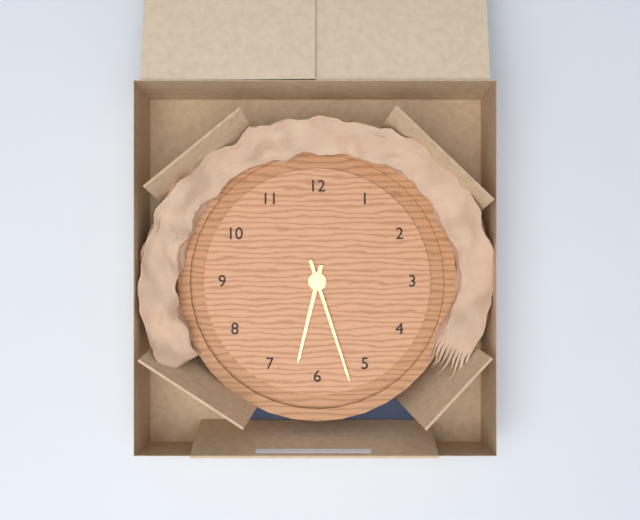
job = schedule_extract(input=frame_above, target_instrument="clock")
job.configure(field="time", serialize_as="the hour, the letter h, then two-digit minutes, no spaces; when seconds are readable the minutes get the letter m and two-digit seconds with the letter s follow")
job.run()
6h27
